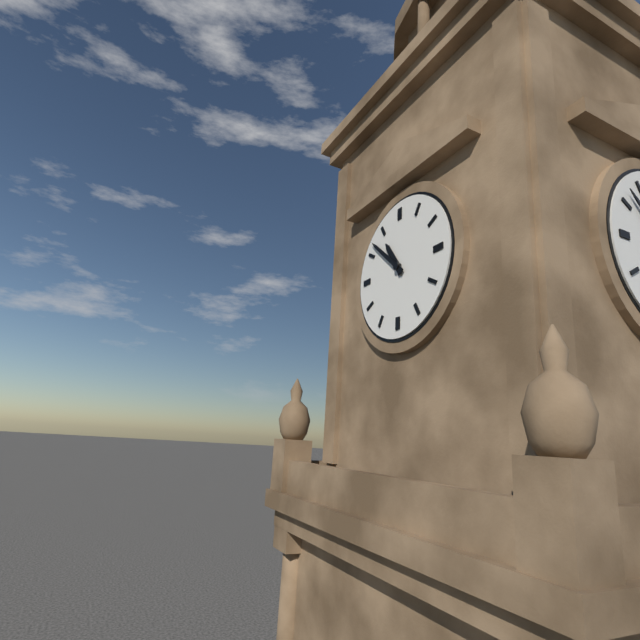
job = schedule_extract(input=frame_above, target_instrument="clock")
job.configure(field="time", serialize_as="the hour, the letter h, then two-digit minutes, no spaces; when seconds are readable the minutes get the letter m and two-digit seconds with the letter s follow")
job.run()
10h52
